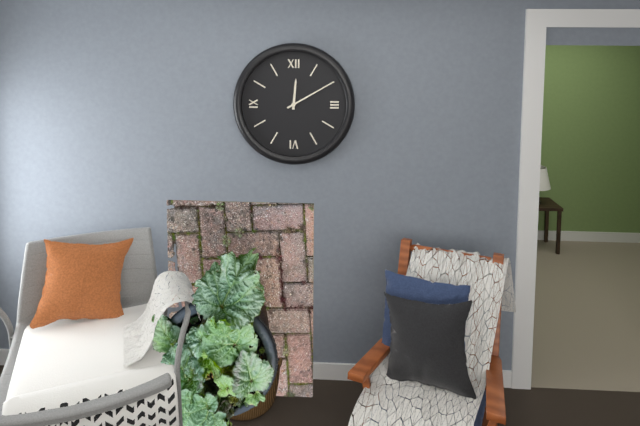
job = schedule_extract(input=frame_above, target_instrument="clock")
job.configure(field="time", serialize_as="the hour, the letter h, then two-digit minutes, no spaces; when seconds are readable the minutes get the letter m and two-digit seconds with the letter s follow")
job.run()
12h10
